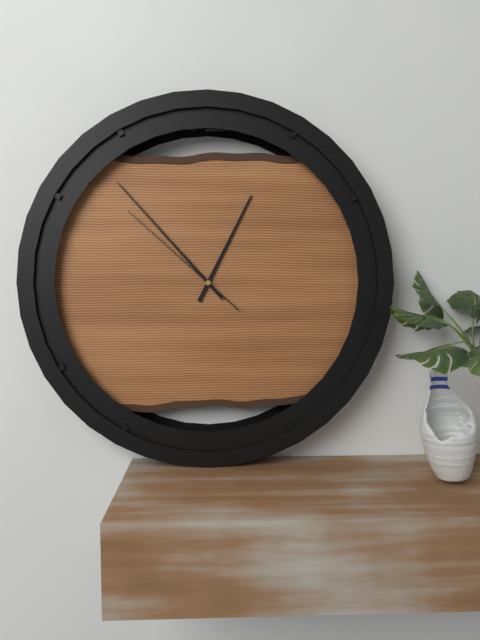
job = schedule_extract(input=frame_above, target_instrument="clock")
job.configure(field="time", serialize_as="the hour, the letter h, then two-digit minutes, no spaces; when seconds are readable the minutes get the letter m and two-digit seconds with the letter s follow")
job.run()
12h53m52s
